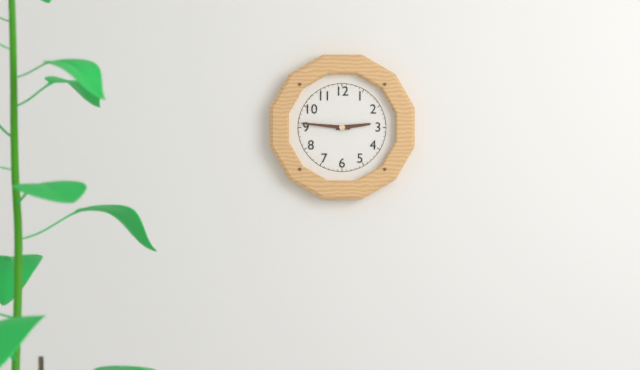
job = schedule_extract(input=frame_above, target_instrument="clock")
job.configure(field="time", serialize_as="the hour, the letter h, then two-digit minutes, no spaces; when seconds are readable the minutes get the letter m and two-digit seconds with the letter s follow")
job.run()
2h46
